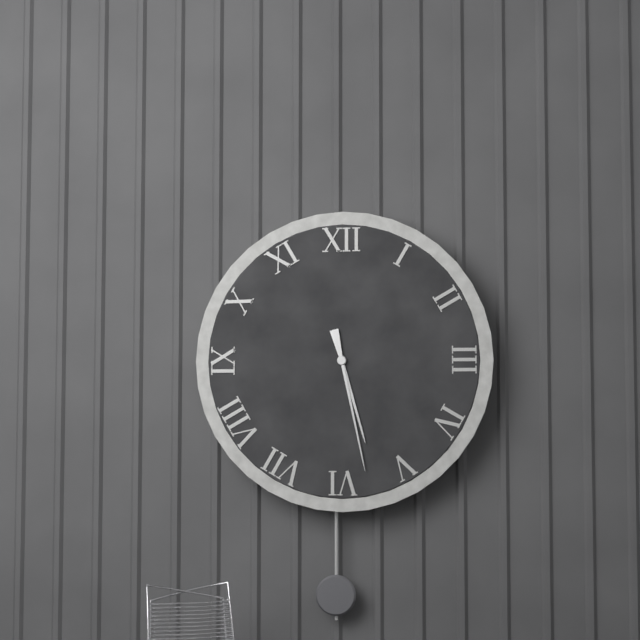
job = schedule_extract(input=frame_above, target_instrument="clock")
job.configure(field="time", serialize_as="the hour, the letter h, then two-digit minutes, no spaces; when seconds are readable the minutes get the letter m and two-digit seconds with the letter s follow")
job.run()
5h28
